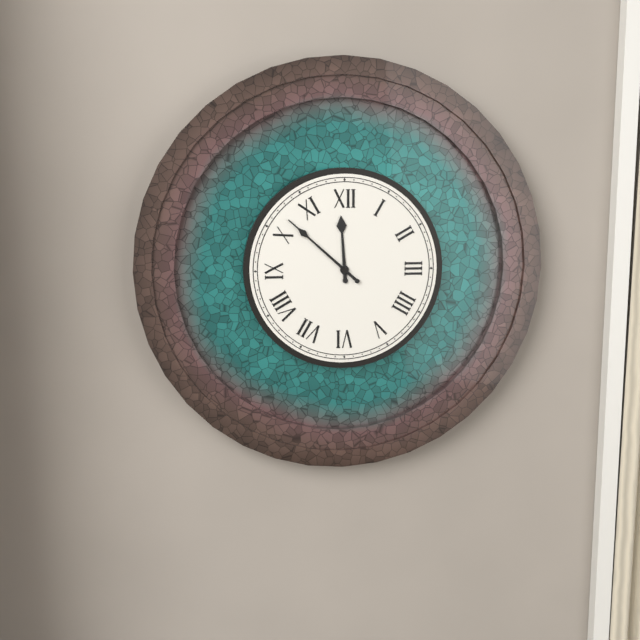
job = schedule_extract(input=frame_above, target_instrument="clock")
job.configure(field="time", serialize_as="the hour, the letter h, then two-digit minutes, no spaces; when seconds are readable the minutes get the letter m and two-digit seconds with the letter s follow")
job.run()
11h52
